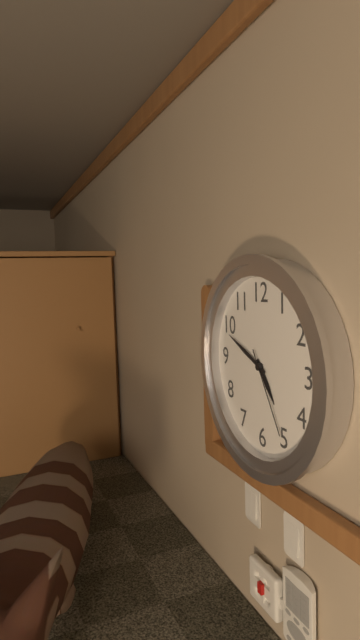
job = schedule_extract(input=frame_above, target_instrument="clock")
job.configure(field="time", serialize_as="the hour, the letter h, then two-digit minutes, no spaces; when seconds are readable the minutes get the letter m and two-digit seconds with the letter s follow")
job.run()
4h49m25s
